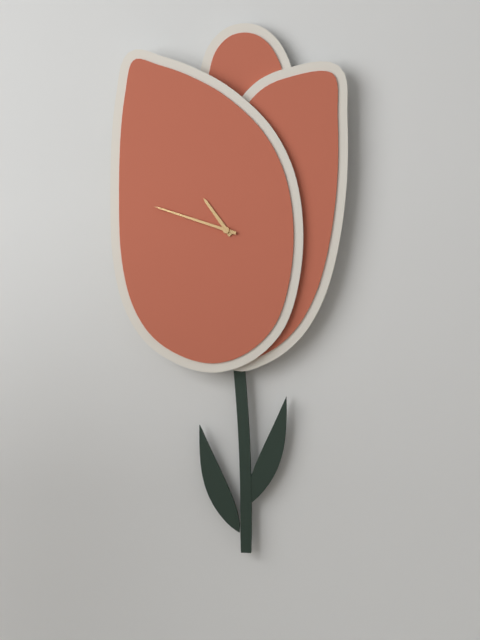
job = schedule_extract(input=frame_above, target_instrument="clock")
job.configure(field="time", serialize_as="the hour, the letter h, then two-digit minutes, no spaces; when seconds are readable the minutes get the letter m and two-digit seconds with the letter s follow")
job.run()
10h48
